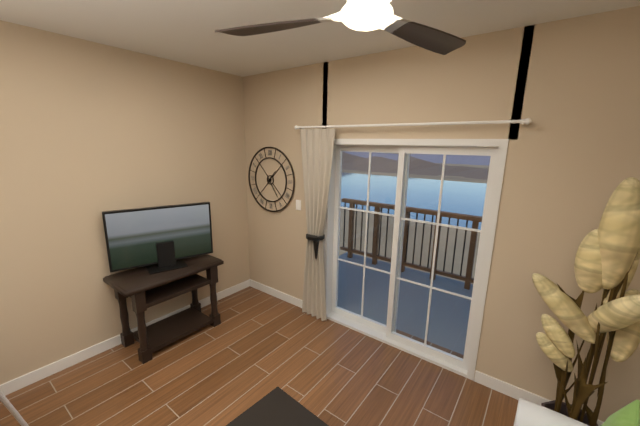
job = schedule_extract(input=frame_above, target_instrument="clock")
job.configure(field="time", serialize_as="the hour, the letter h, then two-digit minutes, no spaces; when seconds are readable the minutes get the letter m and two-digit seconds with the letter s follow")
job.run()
1h24
